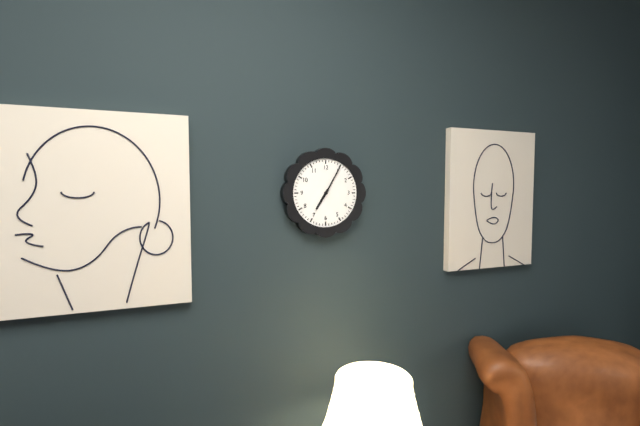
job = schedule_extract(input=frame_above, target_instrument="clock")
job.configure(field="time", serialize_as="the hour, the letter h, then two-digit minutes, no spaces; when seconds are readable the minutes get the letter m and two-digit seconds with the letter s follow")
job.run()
7h05
